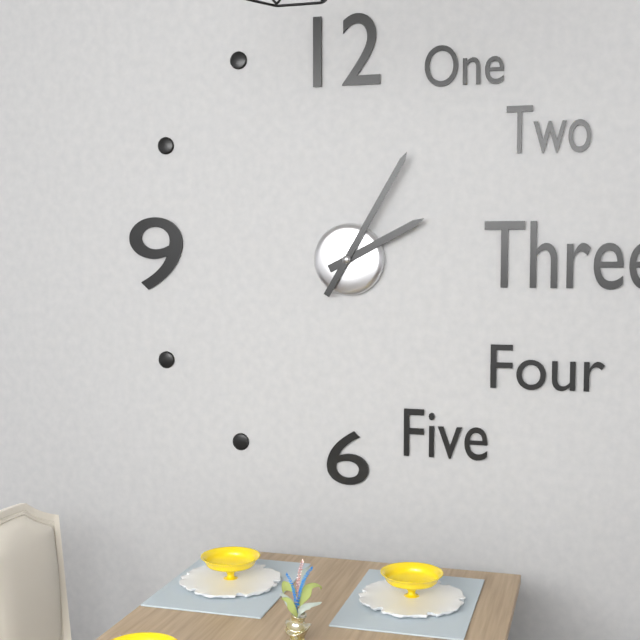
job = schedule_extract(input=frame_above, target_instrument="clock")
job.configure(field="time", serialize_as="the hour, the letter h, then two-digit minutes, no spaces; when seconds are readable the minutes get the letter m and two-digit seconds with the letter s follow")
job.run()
2h05
